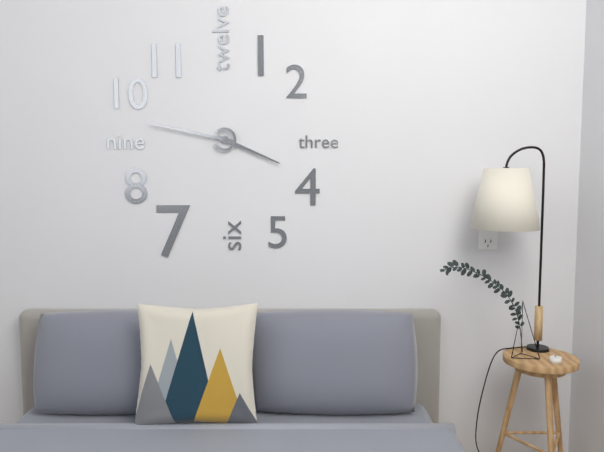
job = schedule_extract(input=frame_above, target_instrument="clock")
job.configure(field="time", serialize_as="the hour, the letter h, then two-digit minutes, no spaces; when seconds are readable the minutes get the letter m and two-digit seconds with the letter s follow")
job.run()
3h47
